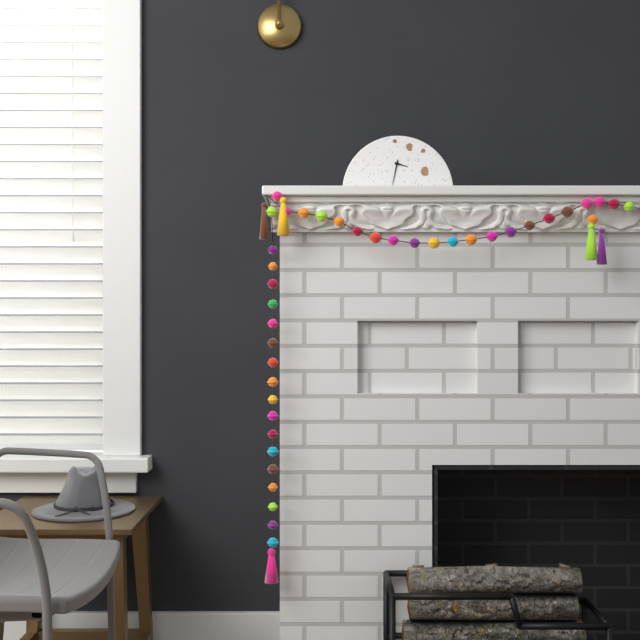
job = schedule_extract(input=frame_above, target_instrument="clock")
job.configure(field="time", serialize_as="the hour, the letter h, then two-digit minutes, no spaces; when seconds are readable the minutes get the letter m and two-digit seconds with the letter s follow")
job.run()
3h32
